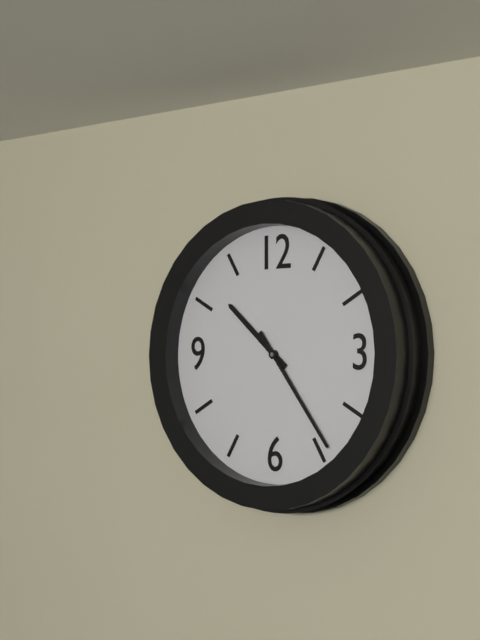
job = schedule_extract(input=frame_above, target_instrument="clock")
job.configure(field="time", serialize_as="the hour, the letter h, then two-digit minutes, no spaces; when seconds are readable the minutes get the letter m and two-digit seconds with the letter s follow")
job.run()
10h24
